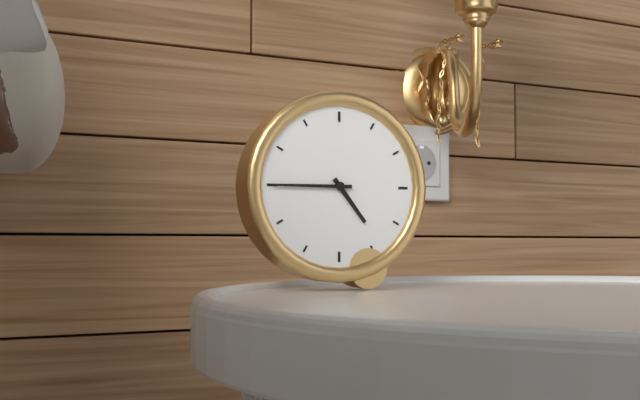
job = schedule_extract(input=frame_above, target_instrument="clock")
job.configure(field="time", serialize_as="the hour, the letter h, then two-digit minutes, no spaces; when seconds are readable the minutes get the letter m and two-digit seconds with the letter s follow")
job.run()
4h45
